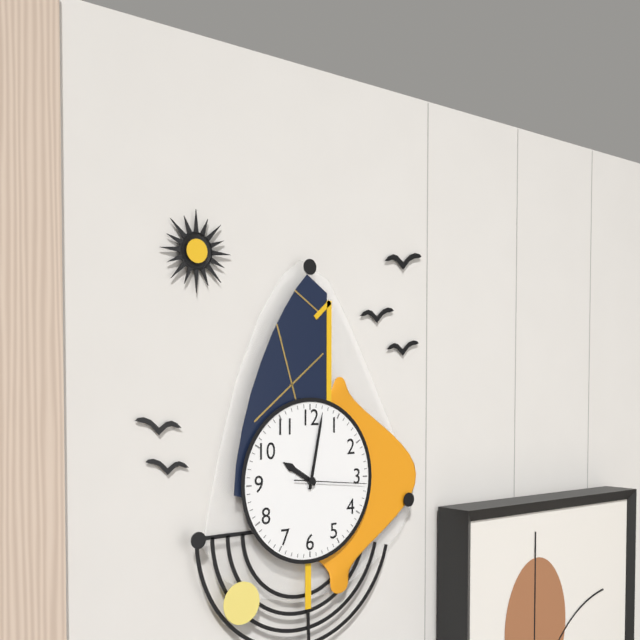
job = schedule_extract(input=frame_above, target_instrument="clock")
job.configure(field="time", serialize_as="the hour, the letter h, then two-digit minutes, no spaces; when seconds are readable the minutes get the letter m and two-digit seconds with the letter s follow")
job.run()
10h02m16s
